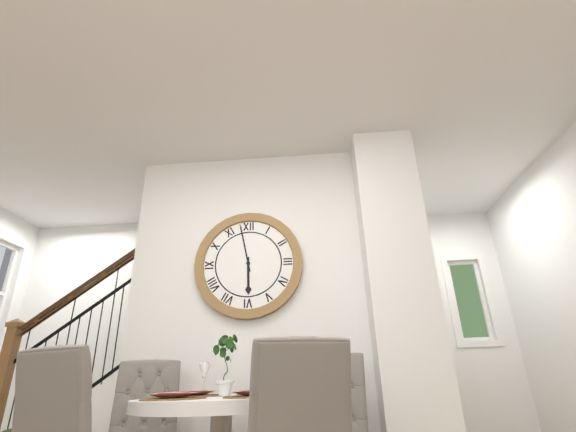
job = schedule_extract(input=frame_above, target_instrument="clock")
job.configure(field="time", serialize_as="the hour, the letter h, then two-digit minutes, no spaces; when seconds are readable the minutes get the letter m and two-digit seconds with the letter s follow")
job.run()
5h58
